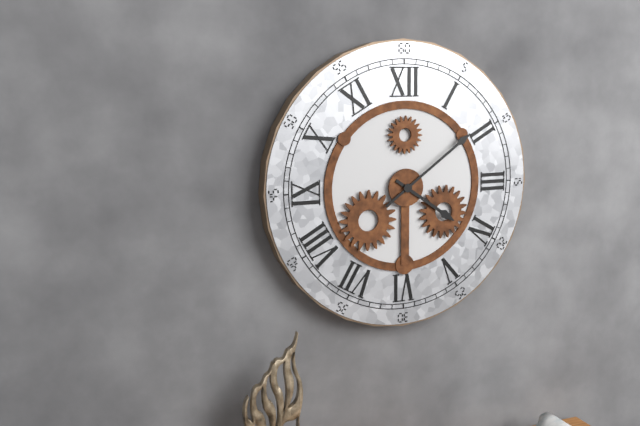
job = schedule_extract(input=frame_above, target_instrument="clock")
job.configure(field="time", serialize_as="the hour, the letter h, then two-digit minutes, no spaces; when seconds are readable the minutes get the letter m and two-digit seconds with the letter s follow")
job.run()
4h09
